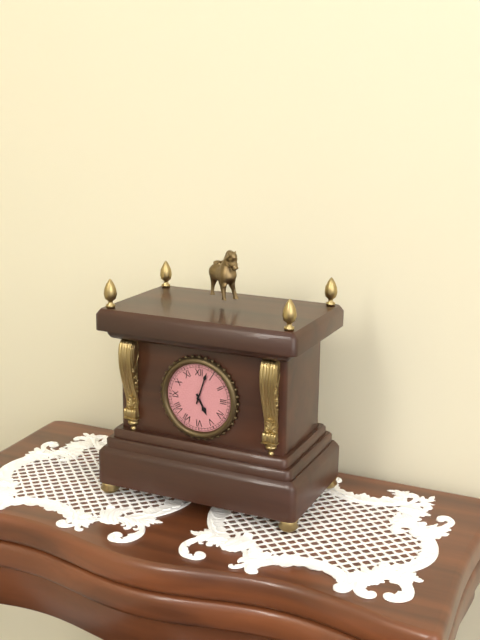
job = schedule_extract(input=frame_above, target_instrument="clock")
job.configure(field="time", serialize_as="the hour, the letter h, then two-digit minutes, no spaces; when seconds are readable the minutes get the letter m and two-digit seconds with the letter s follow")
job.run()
5h03
